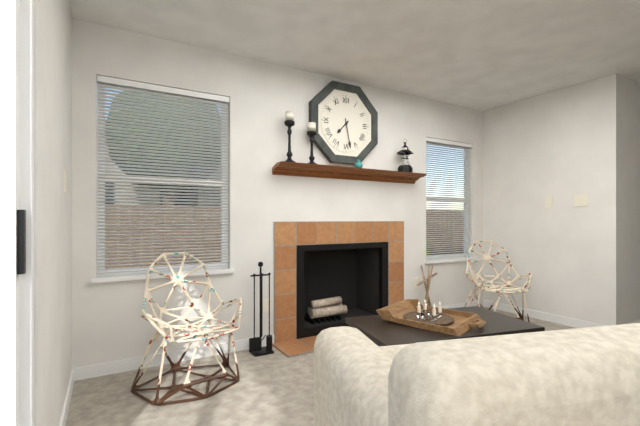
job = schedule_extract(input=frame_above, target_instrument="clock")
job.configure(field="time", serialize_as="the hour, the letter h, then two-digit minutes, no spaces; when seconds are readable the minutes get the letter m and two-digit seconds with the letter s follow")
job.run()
7h28
